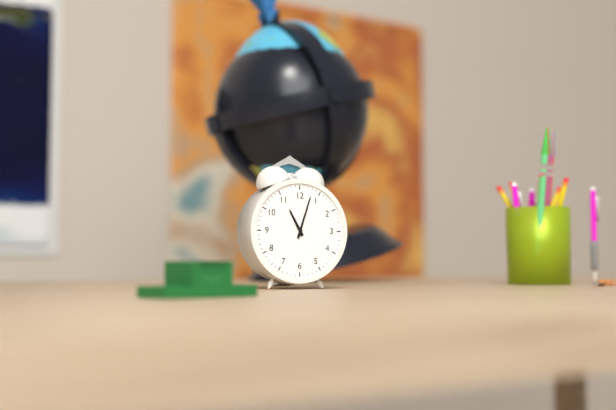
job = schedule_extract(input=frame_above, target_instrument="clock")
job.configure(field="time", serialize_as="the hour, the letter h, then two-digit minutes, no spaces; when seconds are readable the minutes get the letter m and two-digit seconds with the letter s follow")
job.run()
11h03
